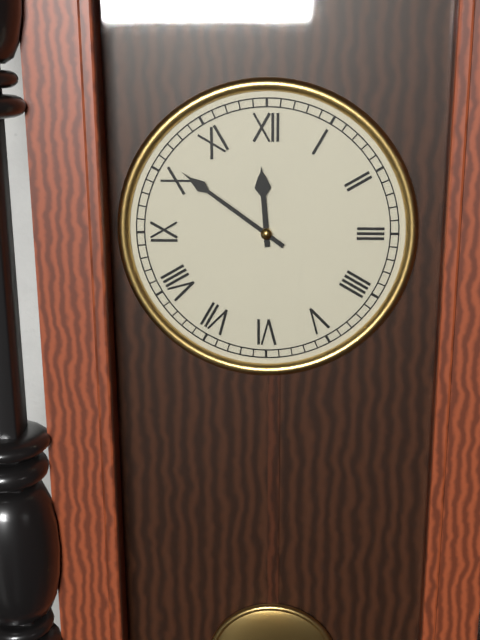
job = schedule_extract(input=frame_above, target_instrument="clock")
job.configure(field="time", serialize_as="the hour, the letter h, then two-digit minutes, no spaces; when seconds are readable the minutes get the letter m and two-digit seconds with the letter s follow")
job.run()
11h51
